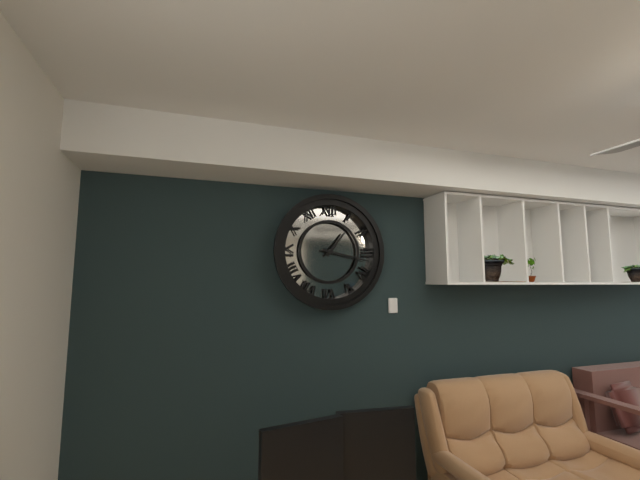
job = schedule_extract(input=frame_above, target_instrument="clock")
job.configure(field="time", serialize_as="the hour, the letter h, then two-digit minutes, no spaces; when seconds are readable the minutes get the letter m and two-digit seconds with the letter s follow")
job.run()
1h17
